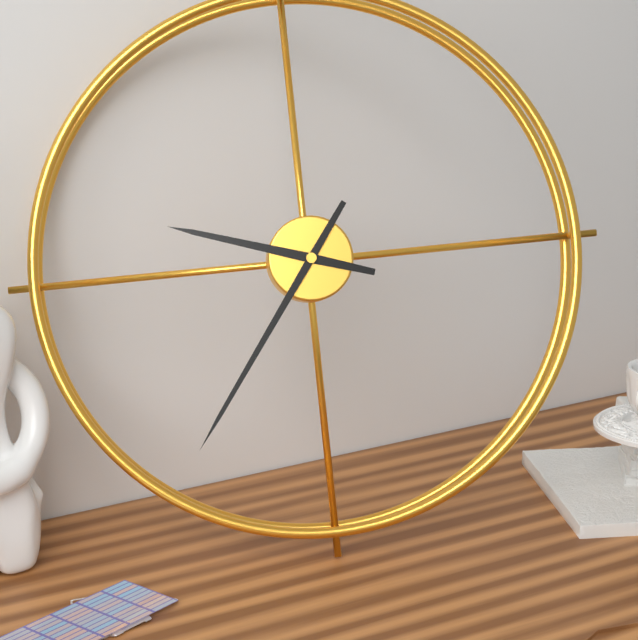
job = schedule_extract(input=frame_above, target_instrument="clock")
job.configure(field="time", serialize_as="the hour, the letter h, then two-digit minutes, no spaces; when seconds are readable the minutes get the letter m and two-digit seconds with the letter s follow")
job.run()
9h36
